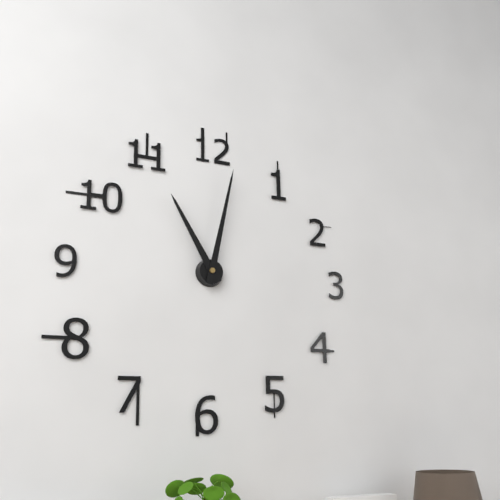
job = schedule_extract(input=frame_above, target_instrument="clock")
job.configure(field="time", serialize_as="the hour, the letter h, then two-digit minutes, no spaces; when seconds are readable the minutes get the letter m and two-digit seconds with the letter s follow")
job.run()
11h02
